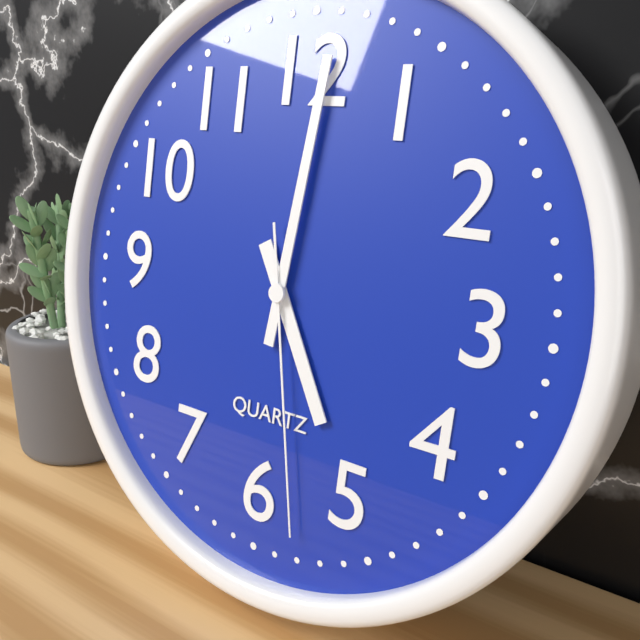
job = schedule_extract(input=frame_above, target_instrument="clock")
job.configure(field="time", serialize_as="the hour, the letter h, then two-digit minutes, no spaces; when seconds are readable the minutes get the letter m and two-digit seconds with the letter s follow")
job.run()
5h01m28s
